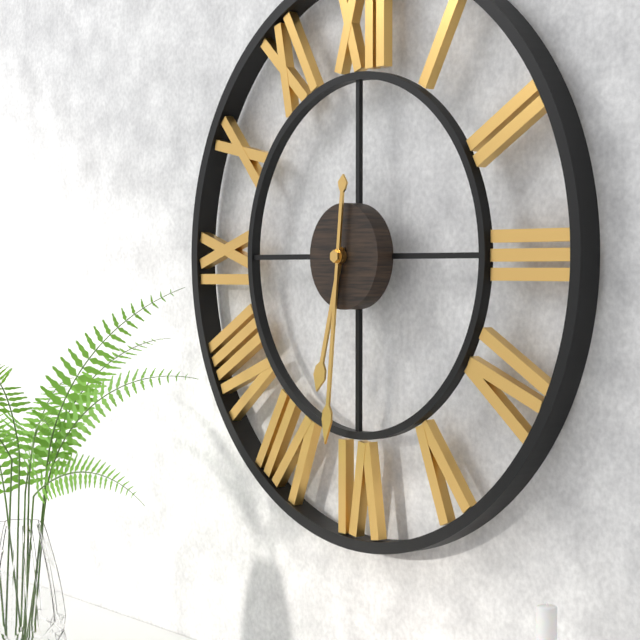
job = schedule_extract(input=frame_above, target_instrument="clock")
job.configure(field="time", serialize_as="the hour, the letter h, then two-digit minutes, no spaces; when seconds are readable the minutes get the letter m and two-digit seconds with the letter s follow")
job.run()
6h31
